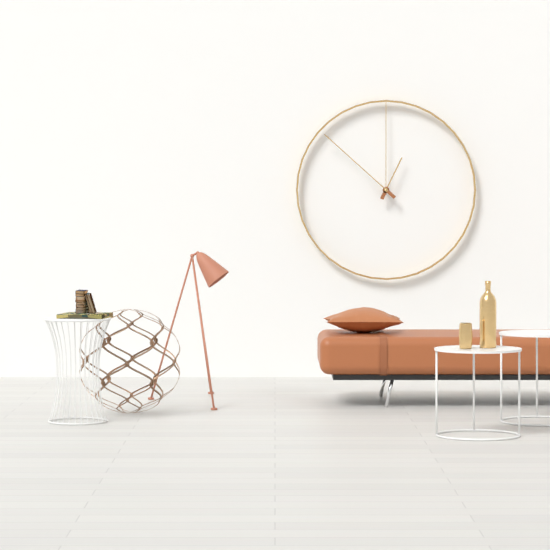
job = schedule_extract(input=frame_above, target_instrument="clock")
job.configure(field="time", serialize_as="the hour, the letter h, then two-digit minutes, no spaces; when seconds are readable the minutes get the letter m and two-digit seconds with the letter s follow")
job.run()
12h52
